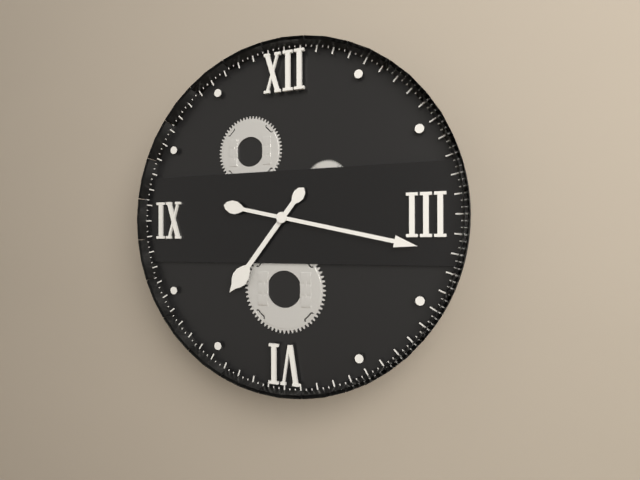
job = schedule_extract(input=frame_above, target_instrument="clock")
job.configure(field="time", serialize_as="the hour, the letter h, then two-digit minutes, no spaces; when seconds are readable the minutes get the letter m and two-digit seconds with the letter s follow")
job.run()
7h17
